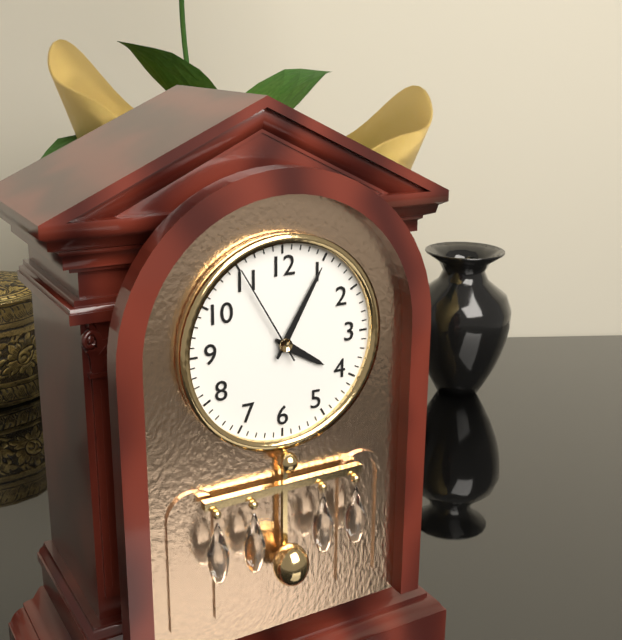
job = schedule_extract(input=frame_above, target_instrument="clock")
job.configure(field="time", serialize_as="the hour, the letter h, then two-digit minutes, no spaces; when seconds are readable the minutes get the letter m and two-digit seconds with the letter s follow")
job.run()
4h05m55s
